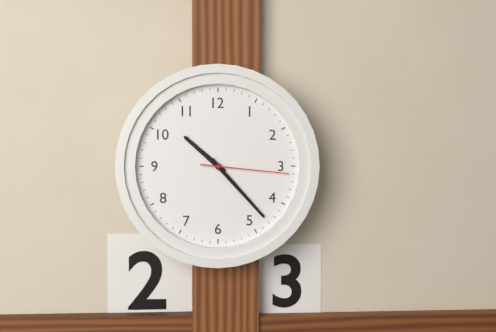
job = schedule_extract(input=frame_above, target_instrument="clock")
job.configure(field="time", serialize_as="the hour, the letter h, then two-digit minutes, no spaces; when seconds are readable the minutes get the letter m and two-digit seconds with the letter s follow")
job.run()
10h23m16s
